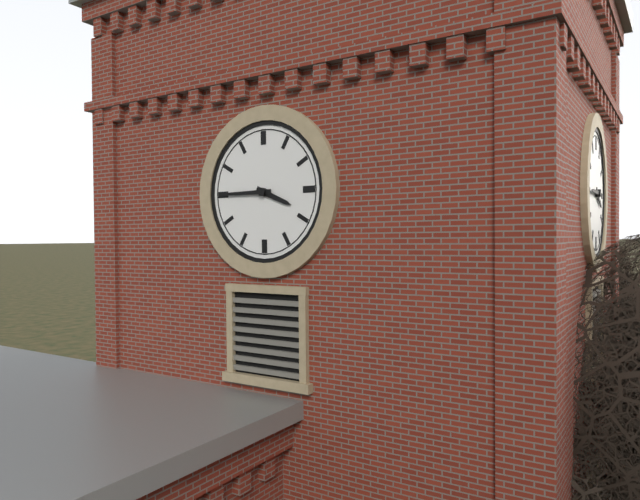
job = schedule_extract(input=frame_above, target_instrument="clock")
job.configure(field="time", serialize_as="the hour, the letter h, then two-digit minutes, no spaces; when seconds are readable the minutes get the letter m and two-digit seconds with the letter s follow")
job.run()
3h45
